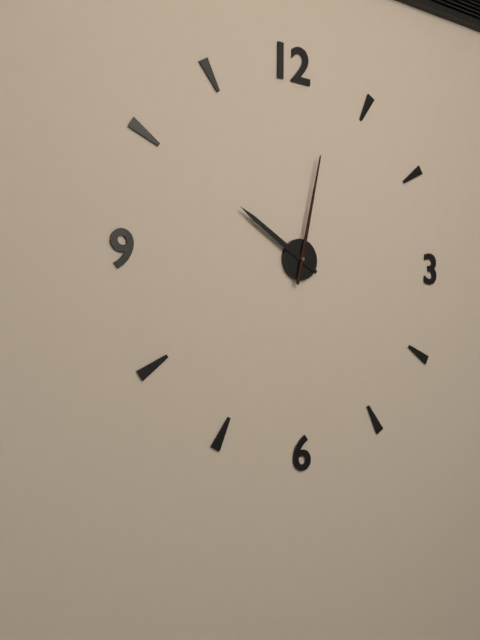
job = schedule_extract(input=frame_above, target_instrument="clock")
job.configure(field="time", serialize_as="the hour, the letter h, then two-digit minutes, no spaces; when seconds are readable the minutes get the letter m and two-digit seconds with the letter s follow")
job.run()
10h02
